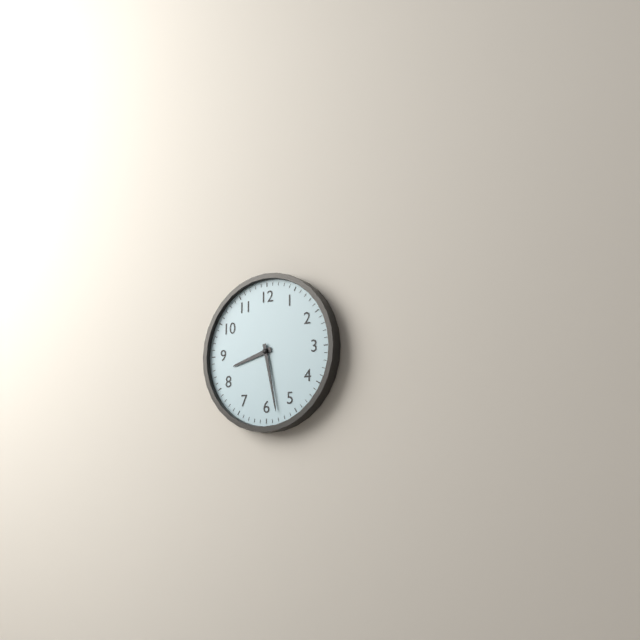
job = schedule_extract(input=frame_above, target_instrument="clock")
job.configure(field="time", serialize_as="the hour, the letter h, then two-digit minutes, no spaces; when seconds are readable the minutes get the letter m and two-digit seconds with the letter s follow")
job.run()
8h28
